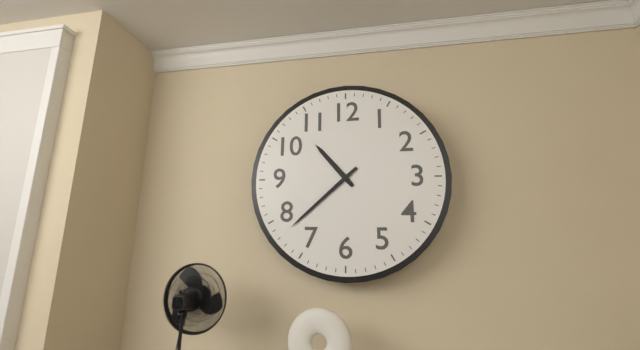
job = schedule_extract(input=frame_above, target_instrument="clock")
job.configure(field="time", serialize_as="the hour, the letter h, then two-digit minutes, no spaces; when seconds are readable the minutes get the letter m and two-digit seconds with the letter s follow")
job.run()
10h38
